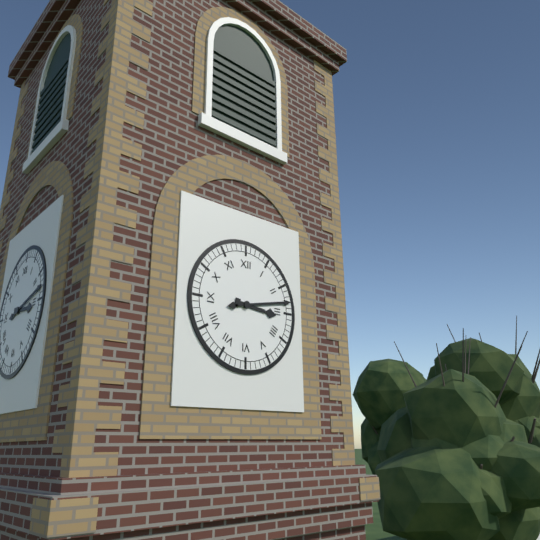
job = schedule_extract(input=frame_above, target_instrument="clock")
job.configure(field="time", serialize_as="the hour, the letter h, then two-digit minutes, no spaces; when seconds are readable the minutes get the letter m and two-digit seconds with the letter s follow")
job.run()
3h13
